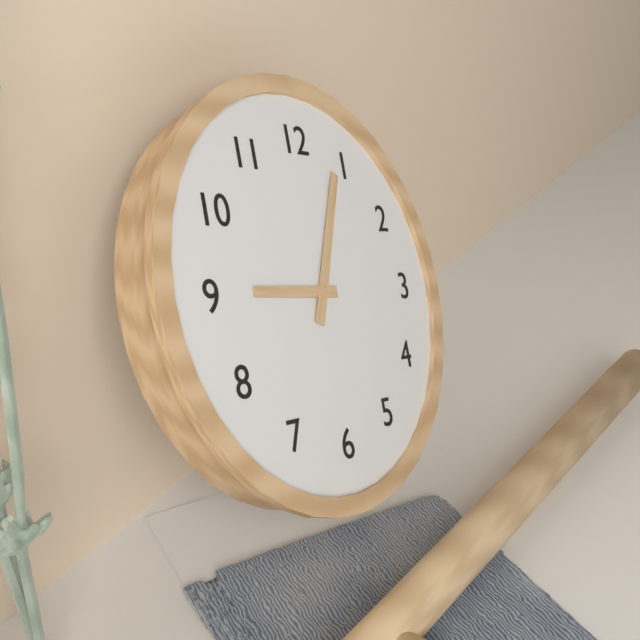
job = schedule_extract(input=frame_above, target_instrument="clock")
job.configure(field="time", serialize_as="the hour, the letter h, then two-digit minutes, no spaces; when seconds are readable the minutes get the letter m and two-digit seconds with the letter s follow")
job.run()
9h04
